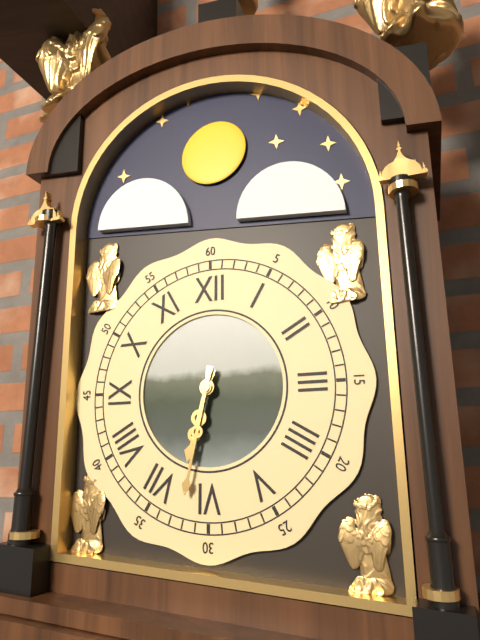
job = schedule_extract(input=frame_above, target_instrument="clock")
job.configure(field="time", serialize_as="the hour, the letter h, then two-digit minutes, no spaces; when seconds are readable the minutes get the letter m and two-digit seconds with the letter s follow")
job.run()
6h32
